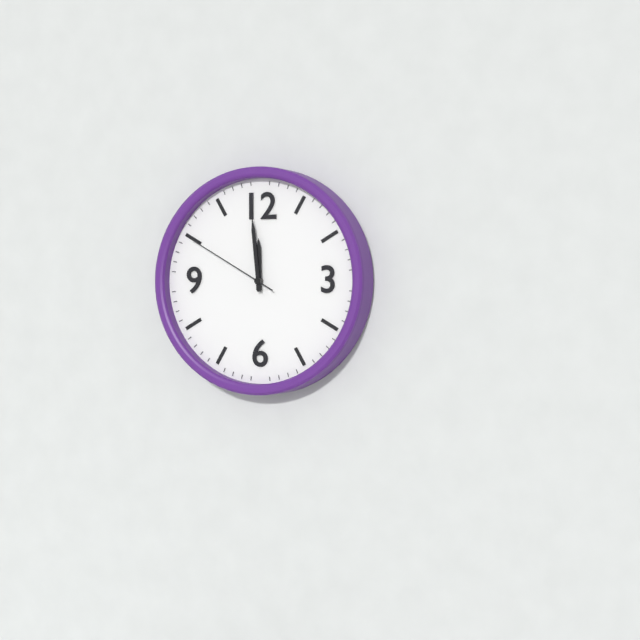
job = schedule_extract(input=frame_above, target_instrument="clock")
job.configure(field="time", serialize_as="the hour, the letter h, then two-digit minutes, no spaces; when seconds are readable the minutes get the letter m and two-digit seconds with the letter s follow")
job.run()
11h59m50s
